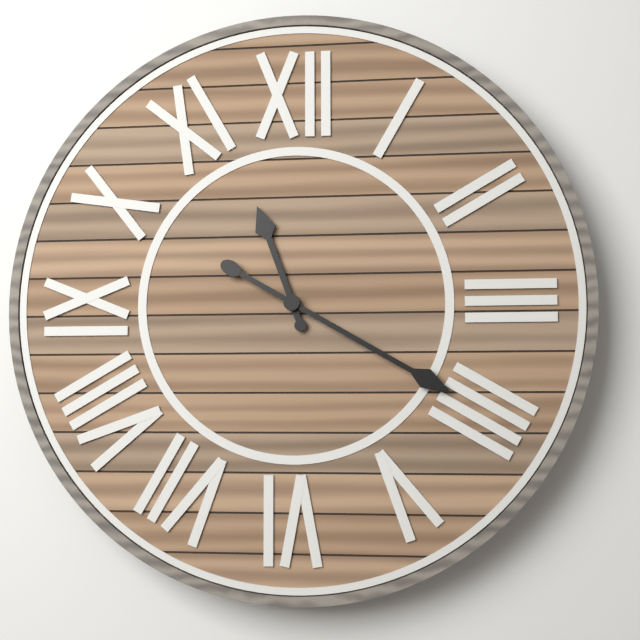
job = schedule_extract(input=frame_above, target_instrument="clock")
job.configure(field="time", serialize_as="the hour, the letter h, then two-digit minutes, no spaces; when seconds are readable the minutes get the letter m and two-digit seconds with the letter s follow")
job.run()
11h20
